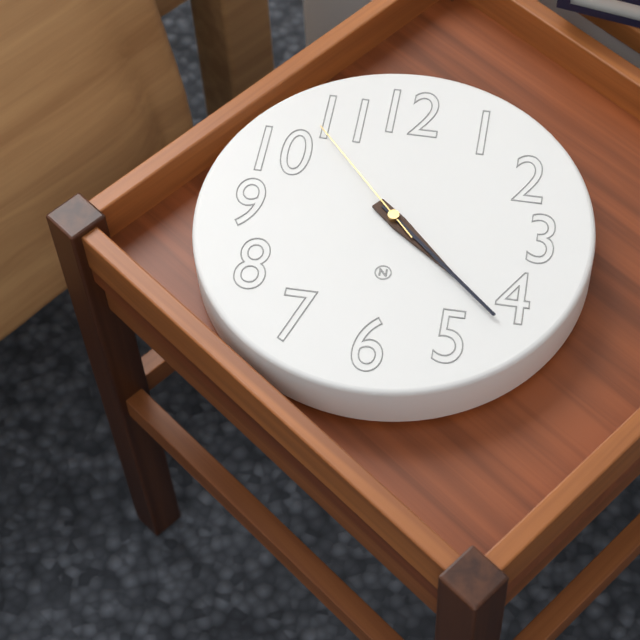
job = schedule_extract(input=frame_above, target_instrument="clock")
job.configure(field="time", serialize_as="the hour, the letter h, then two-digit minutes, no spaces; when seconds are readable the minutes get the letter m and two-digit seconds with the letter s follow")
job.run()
4h22m53s
